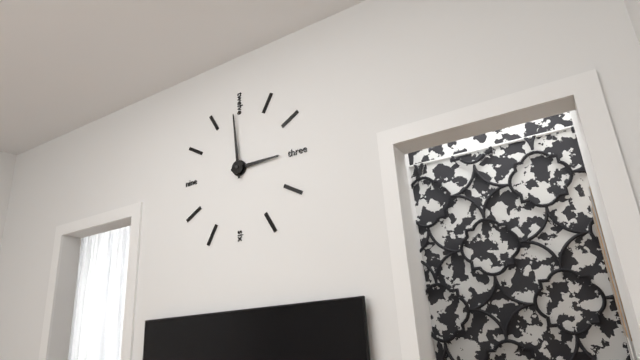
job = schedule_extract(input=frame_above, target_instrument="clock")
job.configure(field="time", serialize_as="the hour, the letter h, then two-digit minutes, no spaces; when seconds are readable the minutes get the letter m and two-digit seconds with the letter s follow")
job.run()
2h59
